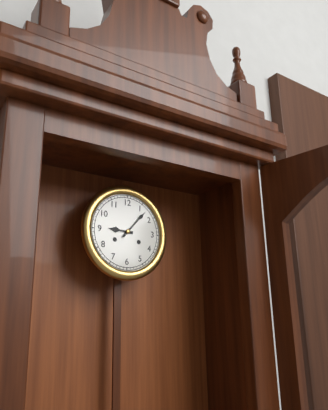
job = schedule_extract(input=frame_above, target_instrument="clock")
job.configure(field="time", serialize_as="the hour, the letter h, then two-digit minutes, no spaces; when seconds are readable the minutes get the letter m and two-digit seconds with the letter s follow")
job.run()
9h07
